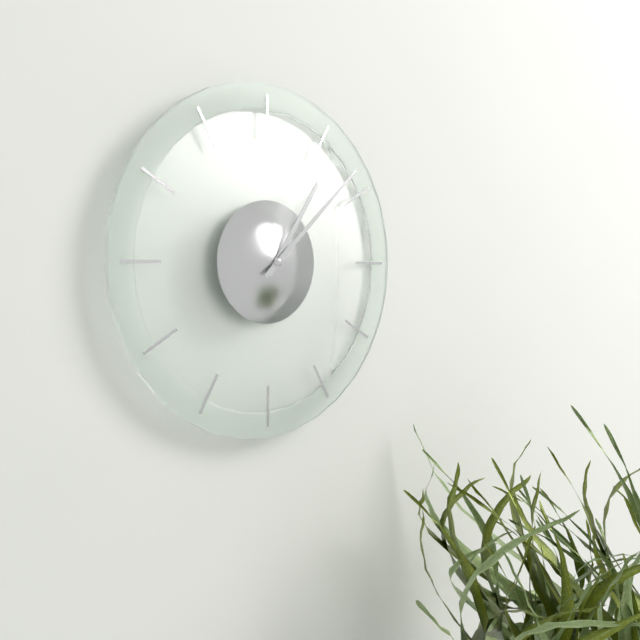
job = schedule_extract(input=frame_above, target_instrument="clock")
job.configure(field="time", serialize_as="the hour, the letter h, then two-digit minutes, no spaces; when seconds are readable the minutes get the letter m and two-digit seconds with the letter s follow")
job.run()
1h08
